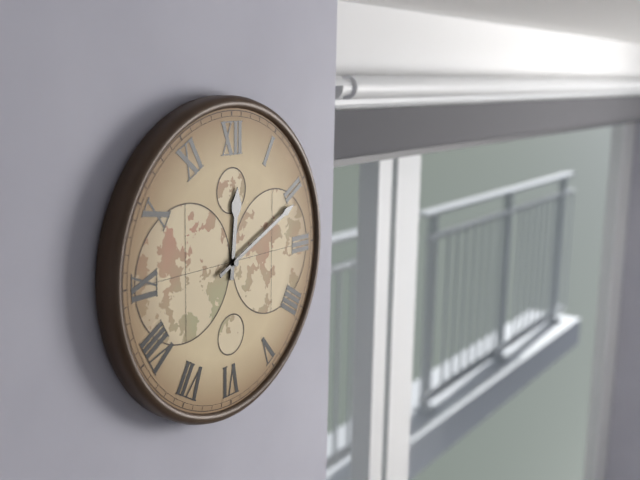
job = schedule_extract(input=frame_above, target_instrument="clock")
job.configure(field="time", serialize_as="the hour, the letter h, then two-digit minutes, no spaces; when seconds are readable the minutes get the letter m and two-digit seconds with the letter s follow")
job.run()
12h11
